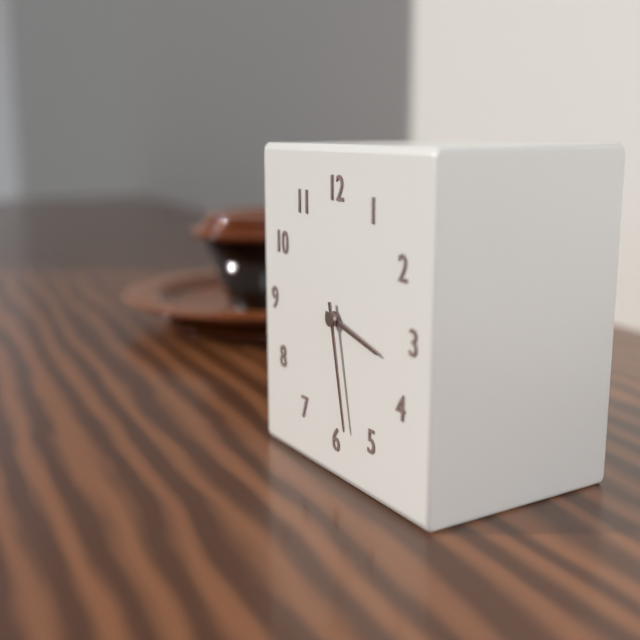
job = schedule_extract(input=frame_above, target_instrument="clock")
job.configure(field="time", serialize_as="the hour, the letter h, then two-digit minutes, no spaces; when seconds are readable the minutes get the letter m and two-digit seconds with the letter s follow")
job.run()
3h28
